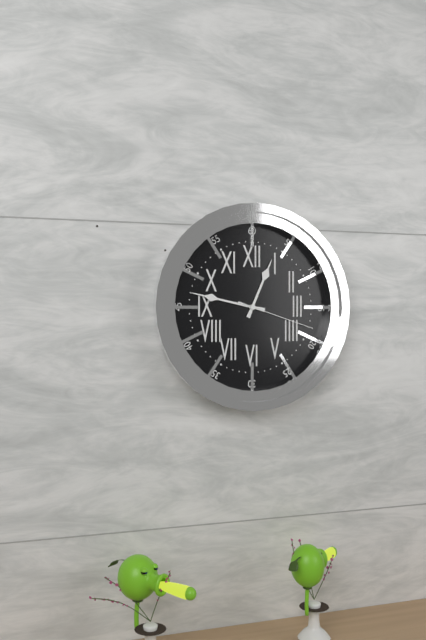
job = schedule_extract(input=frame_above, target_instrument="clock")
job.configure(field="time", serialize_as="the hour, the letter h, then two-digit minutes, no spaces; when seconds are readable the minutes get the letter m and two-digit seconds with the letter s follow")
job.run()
12h47m18s
